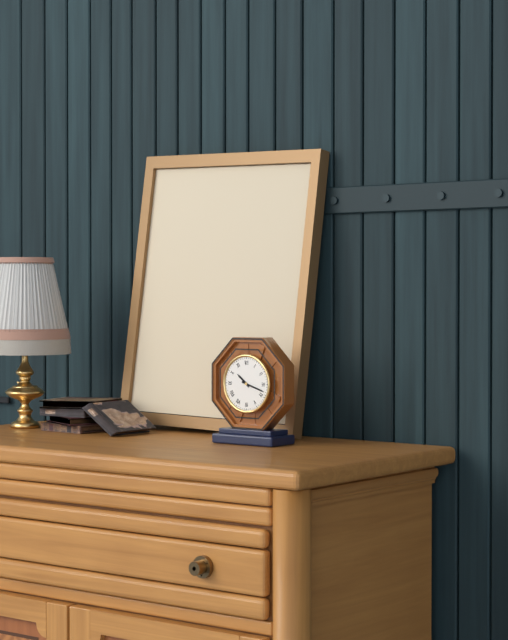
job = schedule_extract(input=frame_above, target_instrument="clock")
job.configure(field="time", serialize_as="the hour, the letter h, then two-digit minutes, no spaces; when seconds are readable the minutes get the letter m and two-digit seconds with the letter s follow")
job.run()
10h18
